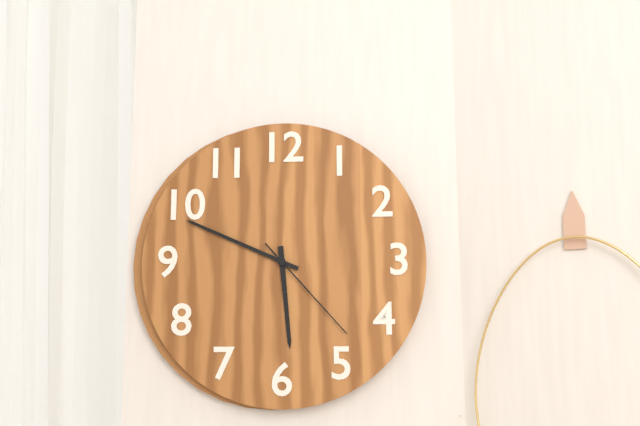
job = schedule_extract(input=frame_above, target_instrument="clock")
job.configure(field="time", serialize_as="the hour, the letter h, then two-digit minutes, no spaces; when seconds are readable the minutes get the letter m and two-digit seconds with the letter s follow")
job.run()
5h49m23s
